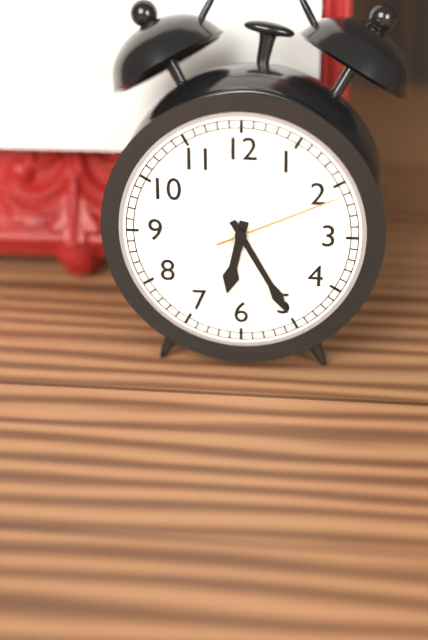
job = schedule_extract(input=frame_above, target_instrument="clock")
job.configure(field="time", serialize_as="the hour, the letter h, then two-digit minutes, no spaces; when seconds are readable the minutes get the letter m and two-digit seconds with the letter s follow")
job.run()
6h25m11s
